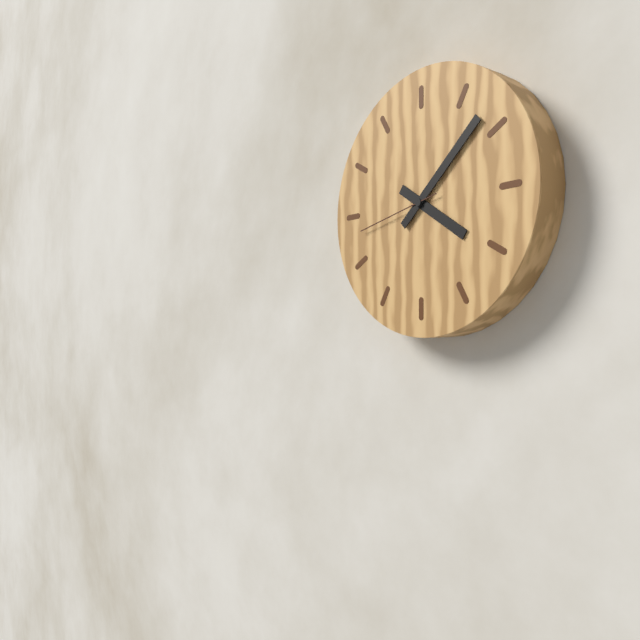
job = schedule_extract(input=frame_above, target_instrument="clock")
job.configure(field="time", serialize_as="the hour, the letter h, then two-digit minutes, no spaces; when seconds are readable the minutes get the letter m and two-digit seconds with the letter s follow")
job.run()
4h08m43s
